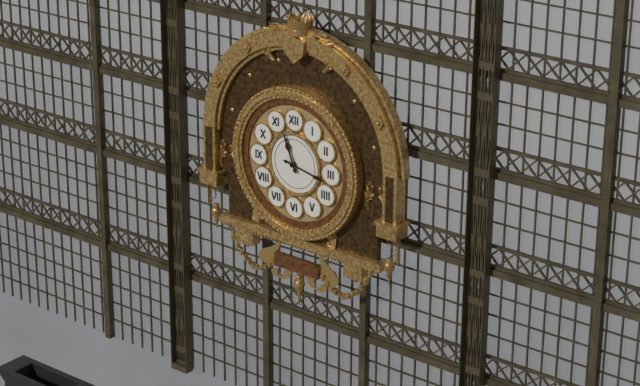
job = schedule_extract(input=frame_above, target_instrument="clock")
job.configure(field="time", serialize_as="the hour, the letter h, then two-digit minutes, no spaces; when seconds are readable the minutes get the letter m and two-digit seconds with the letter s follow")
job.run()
11h17
